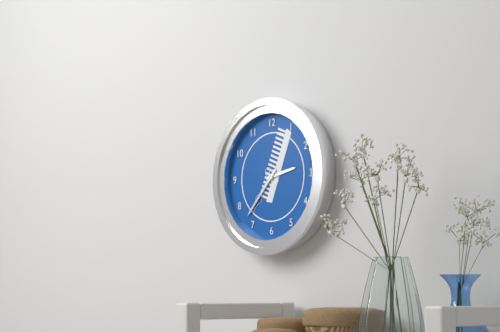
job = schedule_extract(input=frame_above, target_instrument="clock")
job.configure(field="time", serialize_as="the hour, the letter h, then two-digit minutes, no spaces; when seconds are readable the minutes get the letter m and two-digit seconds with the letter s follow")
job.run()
2h37
